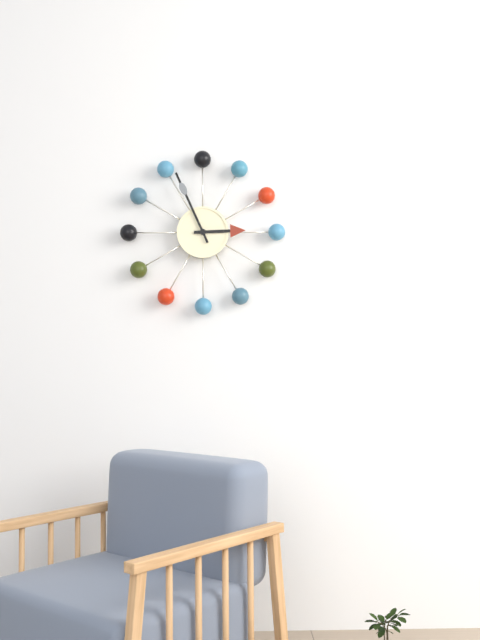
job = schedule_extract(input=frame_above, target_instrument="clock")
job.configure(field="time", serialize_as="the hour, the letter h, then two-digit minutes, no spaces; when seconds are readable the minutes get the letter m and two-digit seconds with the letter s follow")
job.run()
2h56
